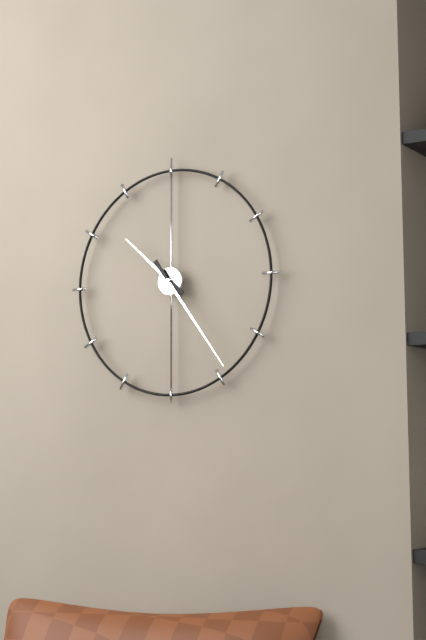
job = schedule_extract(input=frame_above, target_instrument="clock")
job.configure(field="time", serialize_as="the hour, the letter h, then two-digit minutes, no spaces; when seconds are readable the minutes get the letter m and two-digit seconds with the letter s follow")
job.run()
10h24
